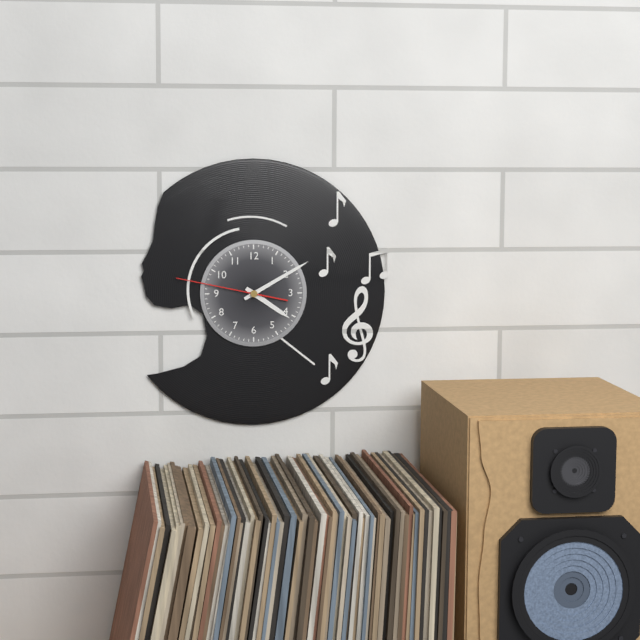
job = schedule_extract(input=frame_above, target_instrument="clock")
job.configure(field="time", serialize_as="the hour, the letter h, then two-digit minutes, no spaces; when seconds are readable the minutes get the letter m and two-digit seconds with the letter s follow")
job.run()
4h10m47s
